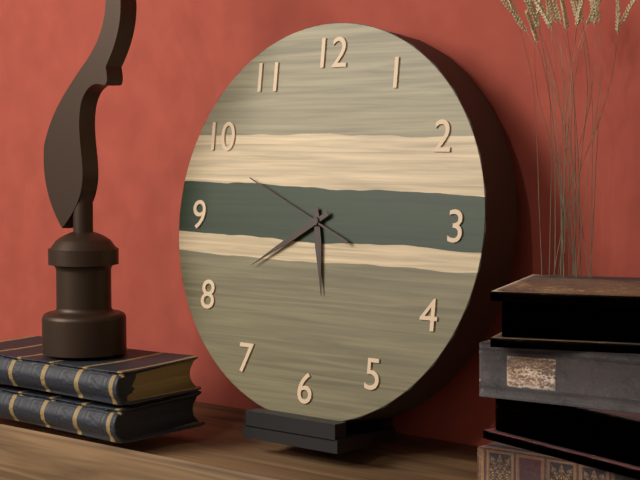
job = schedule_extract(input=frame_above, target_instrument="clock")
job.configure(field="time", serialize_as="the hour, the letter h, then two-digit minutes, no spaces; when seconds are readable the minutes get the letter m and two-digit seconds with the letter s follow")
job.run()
5h40m49s
